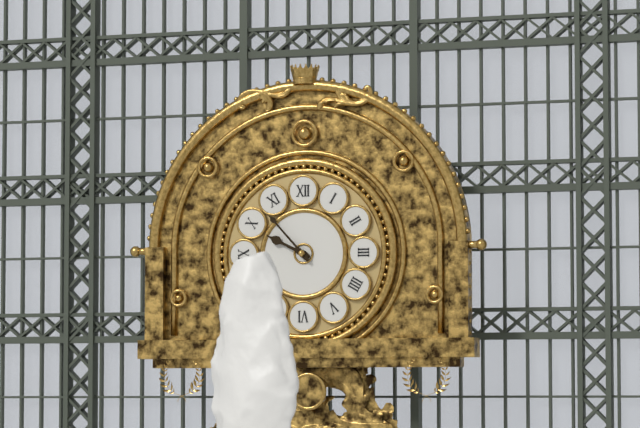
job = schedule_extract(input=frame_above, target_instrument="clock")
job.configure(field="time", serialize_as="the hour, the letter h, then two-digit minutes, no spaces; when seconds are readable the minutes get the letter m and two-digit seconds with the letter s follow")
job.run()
9h53
